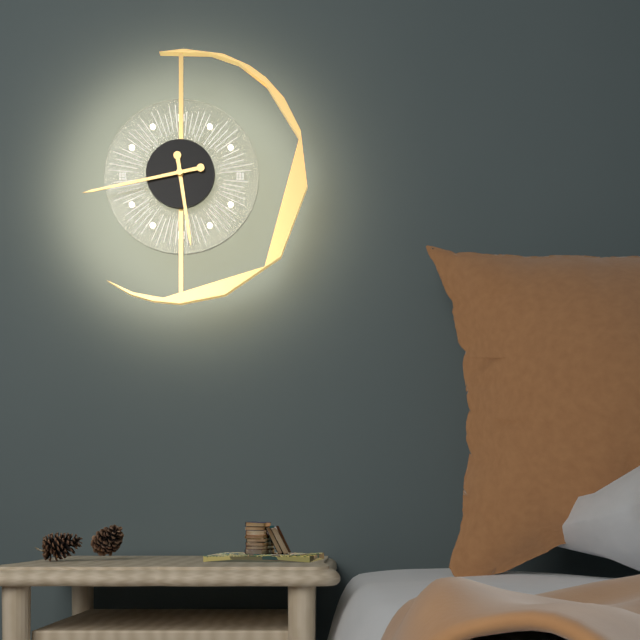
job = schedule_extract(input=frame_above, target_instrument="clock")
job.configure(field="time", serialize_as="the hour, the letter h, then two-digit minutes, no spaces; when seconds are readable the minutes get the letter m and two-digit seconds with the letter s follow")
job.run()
5h43
